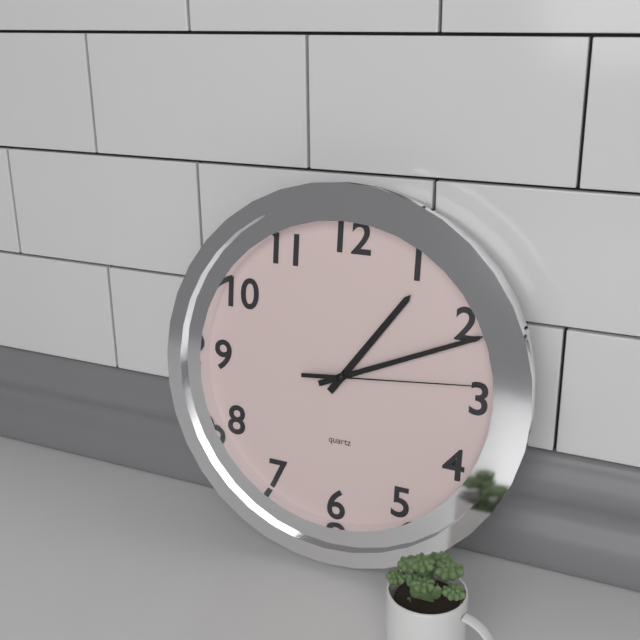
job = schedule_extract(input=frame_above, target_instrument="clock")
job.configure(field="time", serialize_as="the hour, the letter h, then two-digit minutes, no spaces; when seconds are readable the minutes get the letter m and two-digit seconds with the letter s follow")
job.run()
1h11m14s
